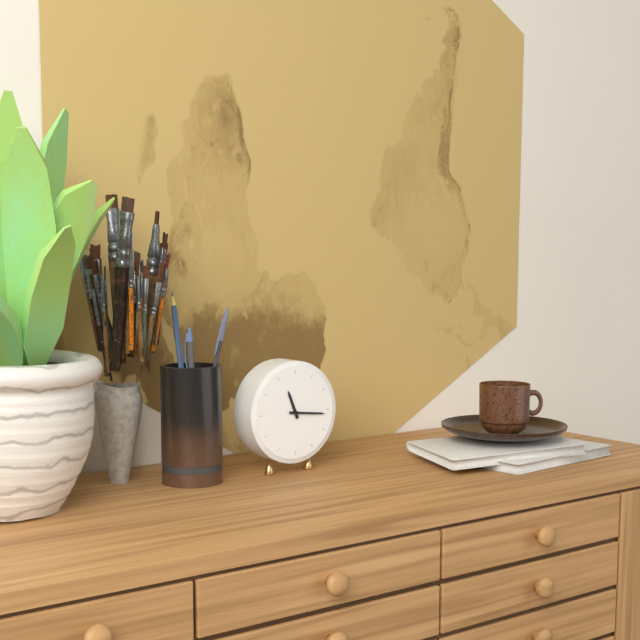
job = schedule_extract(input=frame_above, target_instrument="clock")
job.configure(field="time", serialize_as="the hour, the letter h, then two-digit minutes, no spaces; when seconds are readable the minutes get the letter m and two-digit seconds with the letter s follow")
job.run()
11h16
